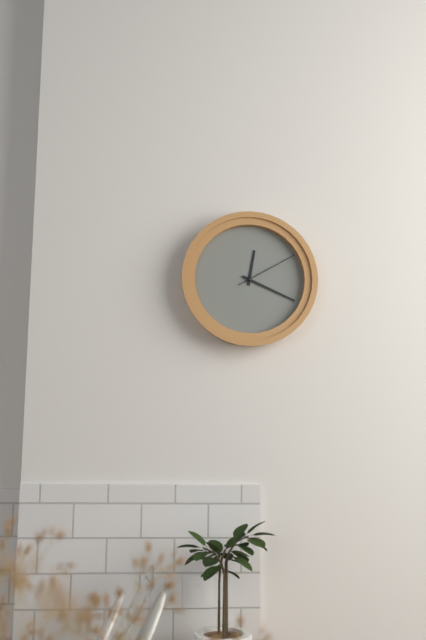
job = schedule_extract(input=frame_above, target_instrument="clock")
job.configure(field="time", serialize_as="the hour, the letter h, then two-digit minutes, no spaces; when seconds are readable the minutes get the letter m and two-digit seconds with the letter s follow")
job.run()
12h19m10s
